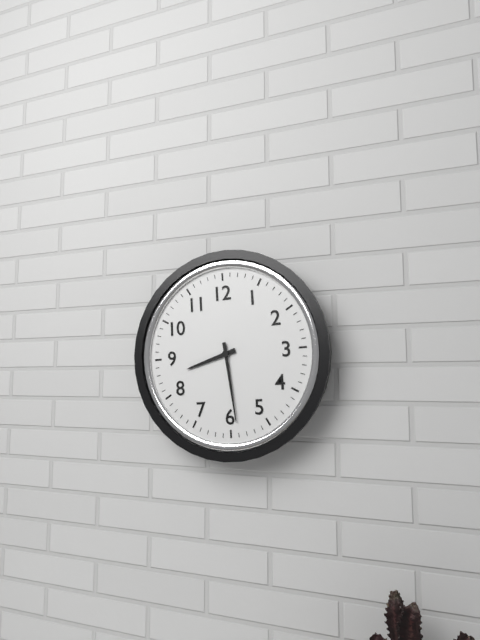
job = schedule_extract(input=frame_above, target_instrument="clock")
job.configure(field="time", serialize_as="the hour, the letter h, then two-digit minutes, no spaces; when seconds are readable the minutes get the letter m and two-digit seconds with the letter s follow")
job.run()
8h29
